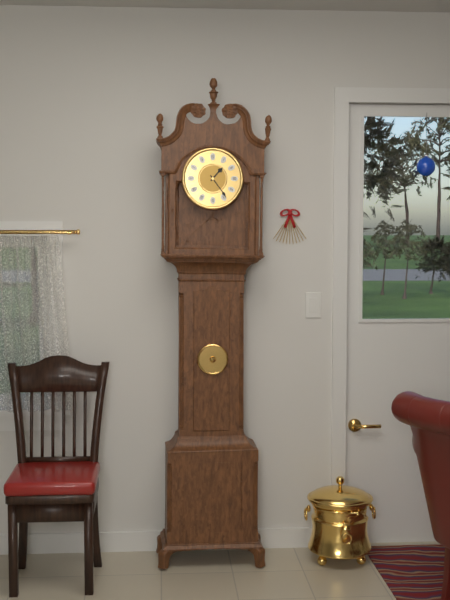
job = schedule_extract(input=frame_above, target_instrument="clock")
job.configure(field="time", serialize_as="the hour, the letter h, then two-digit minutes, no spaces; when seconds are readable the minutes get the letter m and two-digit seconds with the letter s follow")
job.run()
1h24
